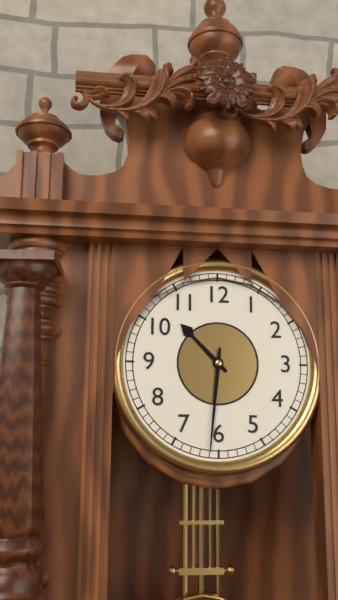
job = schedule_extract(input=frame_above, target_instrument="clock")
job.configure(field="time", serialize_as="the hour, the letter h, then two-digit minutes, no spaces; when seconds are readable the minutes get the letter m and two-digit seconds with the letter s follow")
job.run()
10h31
